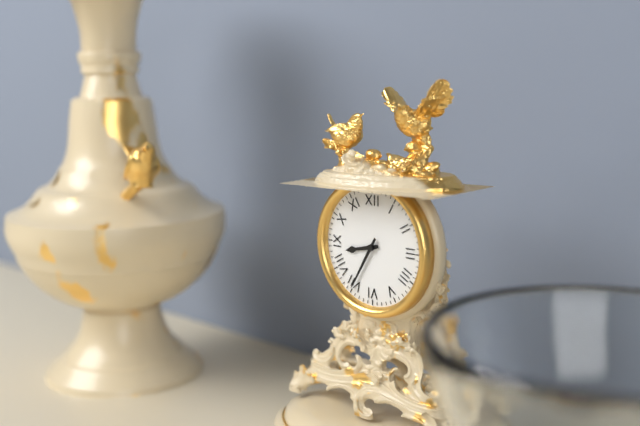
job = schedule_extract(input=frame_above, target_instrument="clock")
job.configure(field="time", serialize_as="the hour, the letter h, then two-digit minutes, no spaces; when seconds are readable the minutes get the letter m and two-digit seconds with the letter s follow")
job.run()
8h35
